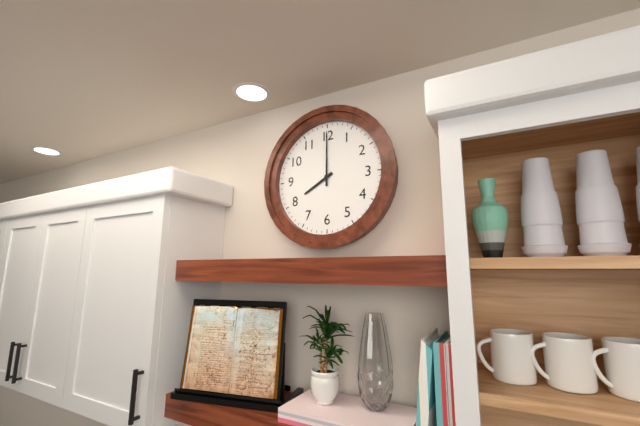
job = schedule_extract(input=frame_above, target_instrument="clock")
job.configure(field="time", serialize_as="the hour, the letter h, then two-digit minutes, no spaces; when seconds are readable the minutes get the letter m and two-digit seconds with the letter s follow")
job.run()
8h00
